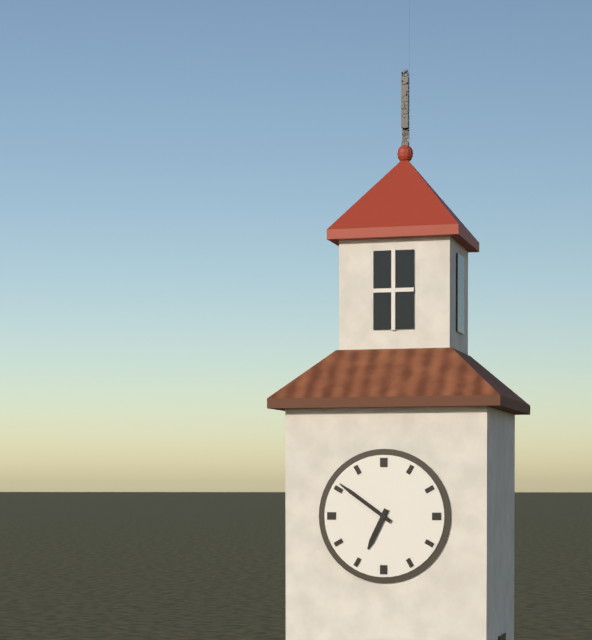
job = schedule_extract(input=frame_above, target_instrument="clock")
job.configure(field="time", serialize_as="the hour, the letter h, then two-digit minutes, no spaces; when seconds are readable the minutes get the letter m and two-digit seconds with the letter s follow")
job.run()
6h51
